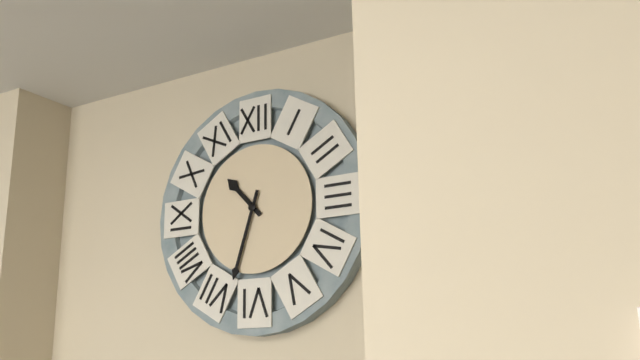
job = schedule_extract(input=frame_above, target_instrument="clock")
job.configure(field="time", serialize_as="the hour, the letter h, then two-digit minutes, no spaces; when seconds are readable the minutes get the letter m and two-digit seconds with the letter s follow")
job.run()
10h33
